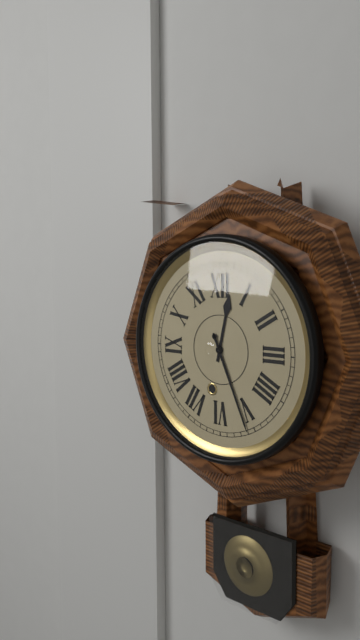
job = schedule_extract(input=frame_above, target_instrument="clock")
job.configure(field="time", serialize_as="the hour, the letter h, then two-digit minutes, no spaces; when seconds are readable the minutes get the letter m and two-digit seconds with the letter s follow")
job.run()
12h26
